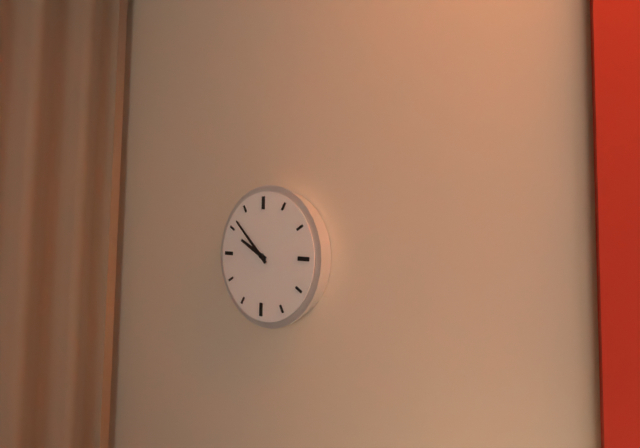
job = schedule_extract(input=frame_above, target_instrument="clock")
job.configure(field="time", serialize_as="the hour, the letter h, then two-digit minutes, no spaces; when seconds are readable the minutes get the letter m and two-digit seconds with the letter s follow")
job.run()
9h52
